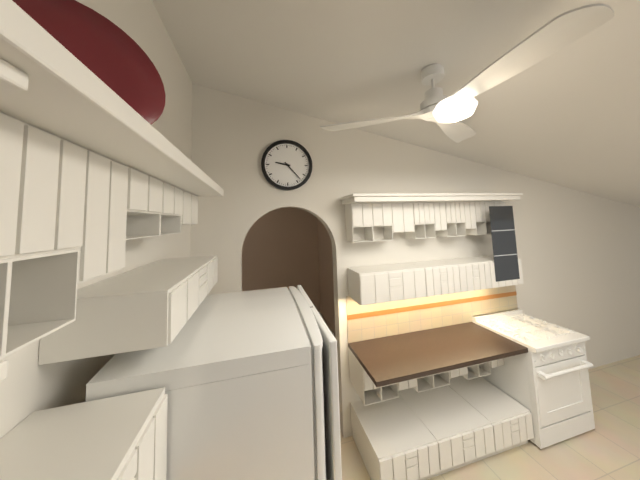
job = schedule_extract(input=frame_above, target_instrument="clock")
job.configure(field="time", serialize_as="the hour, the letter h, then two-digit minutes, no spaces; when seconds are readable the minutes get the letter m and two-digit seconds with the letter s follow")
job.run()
9h23
